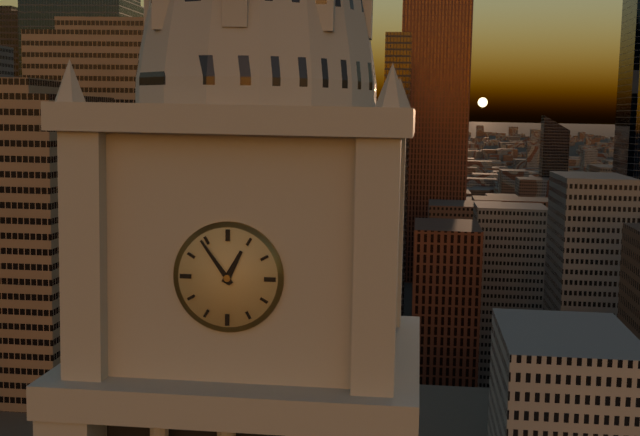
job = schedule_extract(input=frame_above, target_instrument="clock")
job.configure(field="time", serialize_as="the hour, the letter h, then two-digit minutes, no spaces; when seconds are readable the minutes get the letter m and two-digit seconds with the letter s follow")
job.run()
12h54
